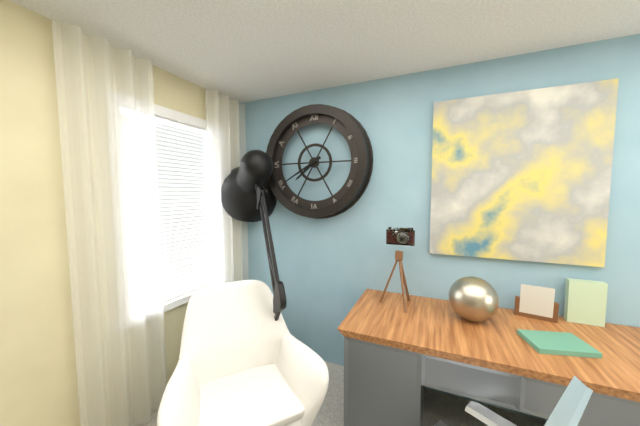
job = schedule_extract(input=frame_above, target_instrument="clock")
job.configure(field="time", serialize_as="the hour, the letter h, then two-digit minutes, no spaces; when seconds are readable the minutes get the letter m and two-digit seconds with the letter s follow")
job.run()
7h40
